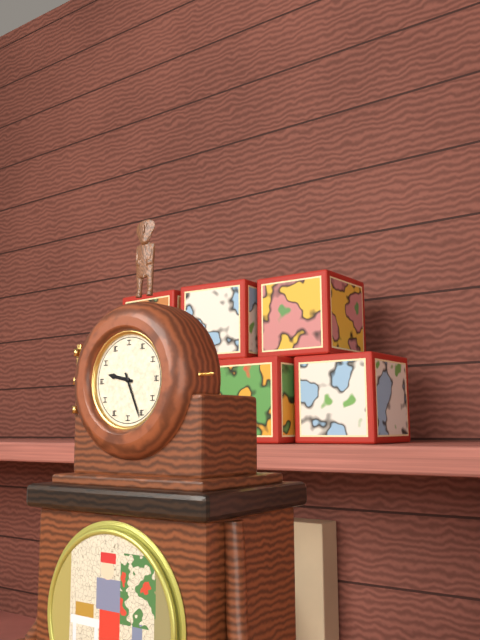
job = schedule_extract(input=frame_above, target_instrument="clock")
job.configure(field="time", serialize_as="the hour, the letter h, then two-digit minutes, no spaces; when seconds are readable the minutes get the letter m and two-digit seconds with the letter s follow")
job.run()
9h26
